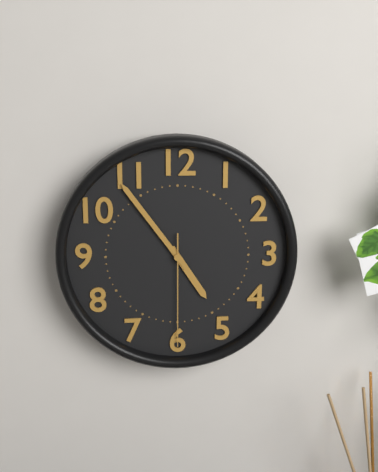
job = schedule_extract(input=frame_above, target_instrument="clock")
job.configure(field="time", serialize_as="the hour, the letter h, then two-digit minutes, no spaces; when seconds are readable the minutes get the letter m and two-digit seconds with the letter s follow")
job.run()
4h54m30s
